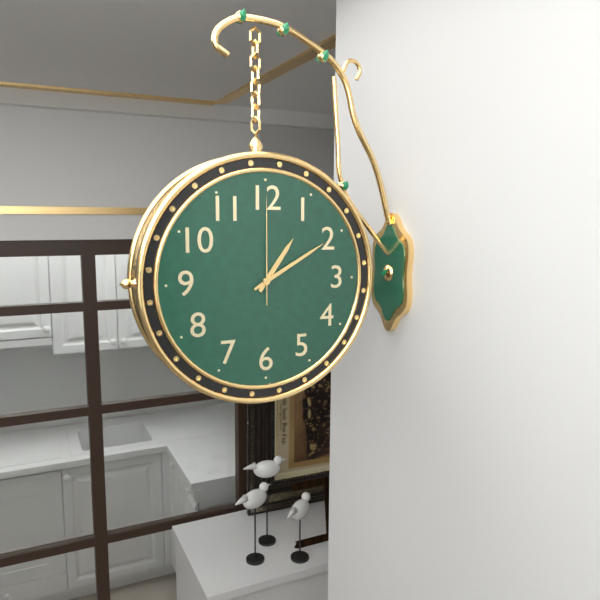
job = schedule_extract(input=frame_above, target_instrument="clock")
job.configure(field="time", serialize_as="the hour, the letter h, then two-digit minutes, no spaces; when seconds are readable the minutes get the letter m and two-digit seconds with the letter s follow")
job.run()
1h10m00s
